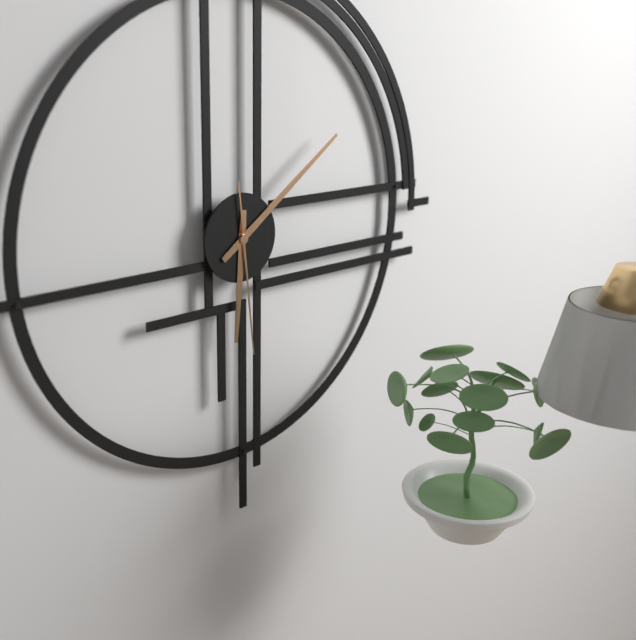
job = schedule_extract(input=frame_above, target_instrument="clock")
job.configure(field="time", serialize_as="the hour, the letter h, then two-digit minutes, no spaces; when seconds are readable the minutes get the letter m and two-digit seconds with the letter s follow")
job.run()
6h09m29s
